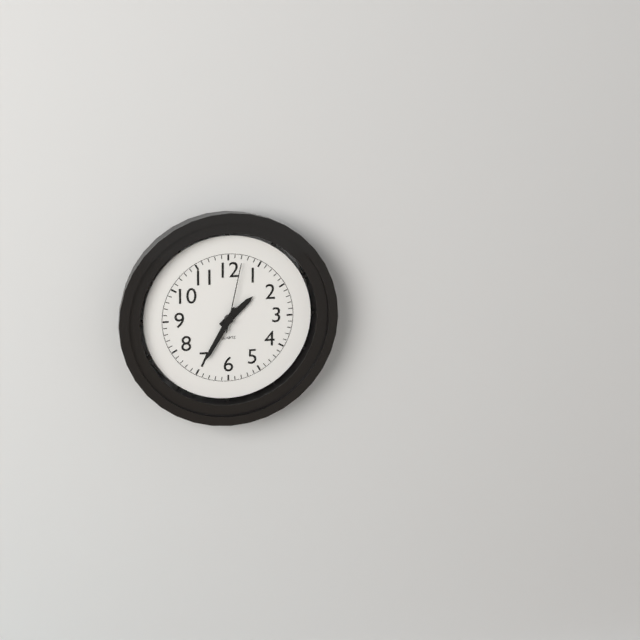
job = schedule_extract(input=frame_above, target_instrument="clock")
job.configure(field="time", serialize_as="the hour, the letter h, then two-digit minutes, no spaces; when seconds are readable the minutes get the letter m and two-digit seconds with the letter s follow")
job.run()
1h35m02s
